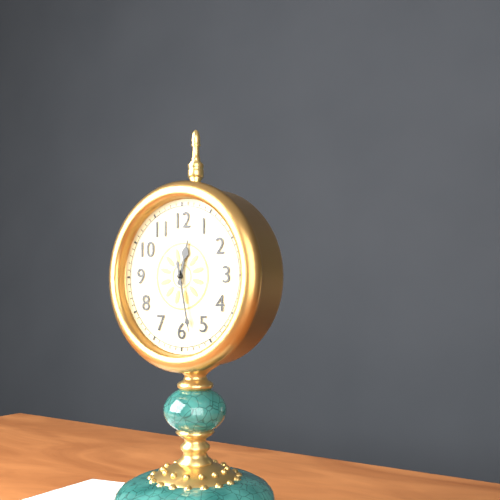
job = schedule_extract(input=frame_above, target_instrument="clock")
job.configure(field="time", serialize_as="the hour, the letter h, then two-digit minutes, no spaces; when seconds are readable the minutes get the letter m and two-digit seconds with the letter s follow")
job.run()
12h28
